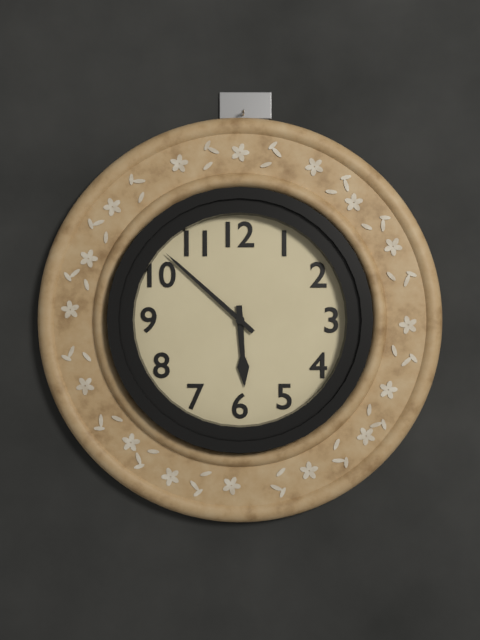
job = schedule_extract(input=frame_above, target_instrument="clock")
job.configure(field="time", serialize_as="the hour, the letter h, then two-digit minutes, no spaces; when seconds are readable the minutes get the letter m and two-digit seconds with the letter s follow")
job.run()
5h52
